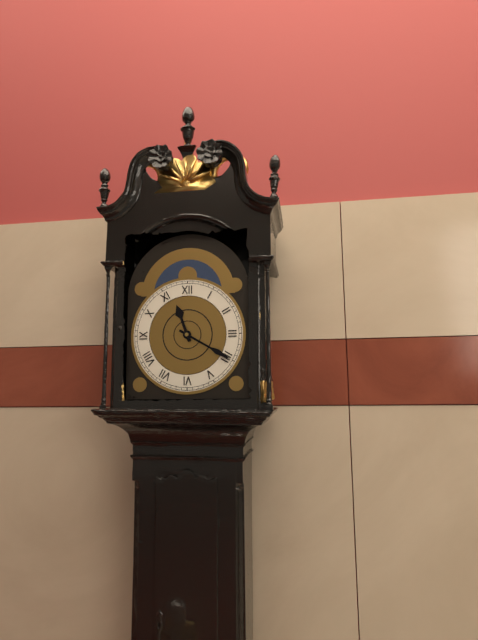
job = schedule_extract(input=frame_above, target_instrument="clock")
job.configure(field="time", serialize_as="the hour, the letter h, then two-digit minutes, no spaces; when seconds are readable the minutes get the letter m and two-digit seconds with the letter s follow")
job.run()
11h20
